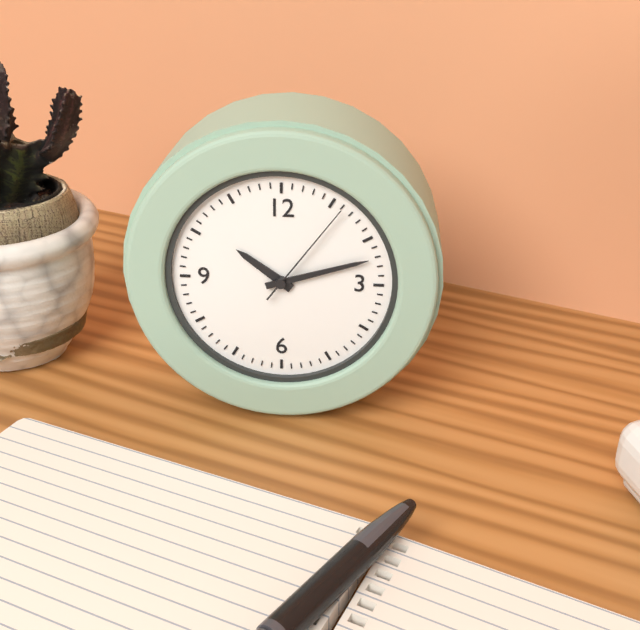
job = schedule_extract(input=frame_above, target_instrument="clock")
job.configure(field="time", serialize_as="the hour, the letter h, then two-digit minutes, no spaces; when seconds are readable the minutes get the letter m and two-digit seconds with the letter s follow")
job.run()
10h12m06s
